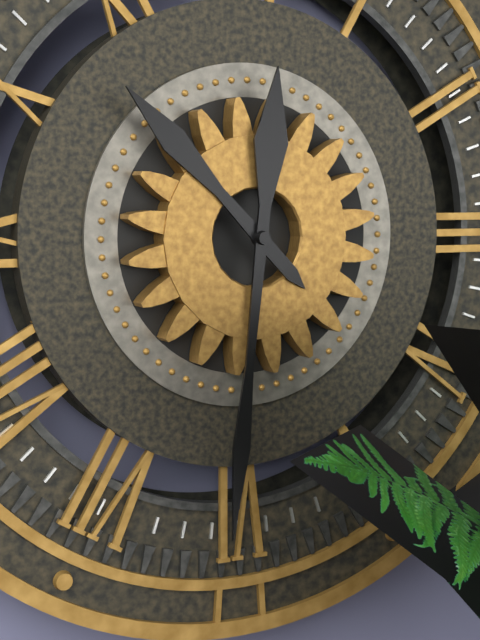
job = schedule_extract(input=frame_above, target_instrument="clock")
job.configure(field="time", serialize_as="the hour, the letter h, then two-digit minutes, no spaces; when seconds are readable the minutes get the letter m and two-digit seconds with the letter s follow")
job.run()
10h31
